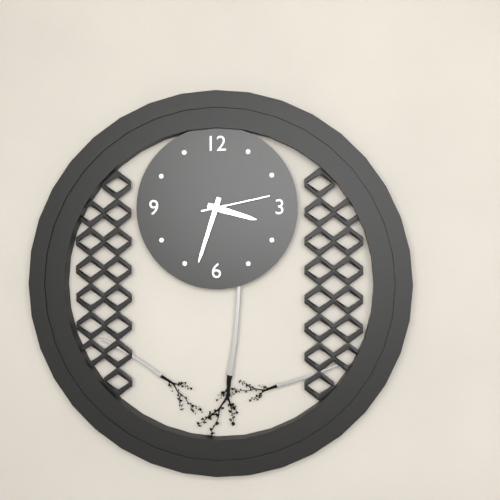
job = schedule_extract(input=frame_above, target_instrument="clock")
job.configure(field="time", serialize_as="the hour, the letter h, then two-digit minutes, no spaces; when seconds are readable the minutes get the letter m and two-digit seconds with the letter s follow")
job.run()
3h33m13s
